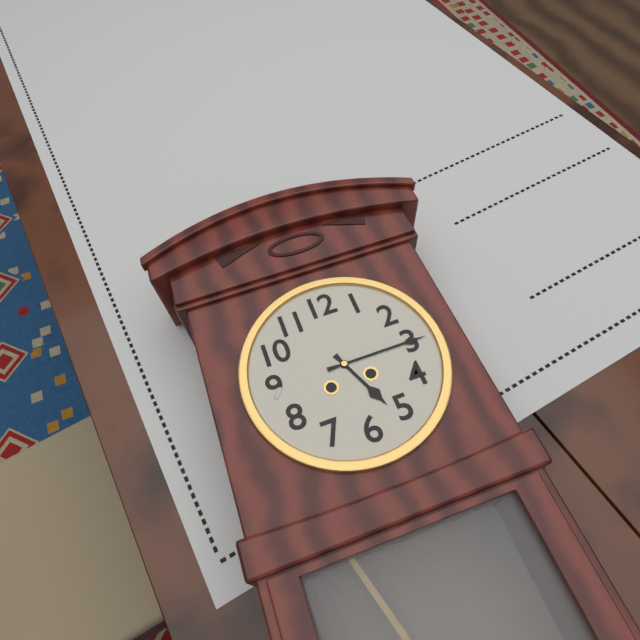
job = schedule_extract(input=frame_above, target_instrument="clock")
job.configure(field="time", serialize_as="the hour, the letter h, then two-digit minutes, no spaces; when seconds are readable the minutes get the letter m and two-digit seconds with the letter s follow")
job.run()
5h15
